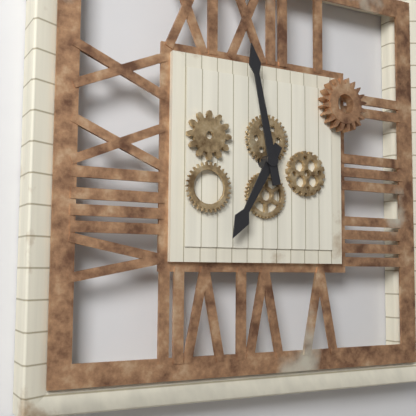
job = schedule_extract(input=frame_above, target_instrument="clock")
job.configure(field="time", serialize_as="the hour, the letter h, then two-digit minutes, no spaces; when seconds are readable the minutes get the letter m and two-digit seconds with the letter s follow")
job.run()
6h58
